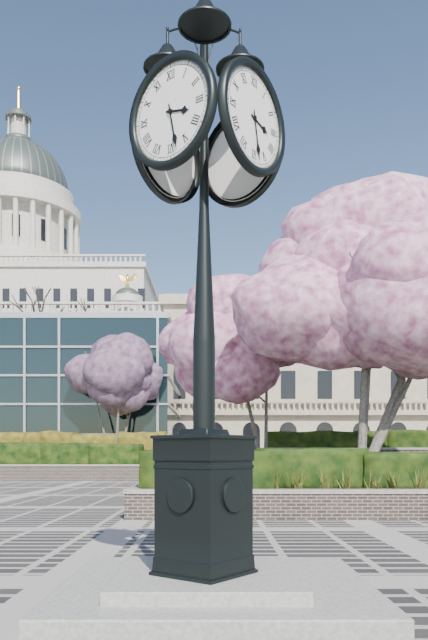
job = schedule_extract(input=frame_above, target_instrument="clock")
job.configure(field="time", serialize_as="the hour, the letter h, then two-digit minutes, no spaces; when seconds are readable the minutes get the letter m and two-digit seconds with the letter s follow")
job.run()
3h28
